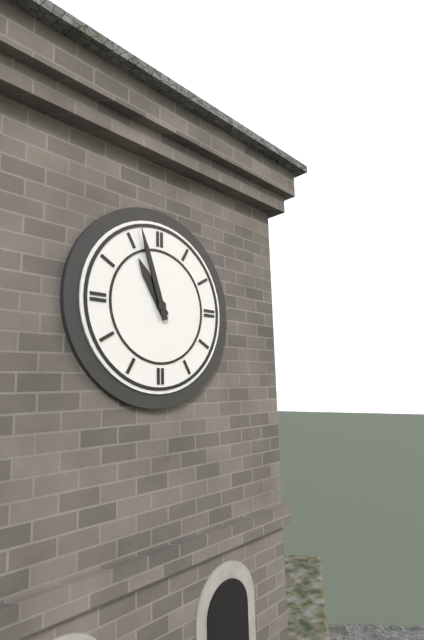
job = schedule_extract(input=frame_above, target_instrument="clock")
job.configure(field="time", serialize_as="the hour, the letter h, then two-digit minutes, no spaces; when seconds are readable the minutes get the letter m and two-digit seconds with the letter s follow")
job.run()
10h57
